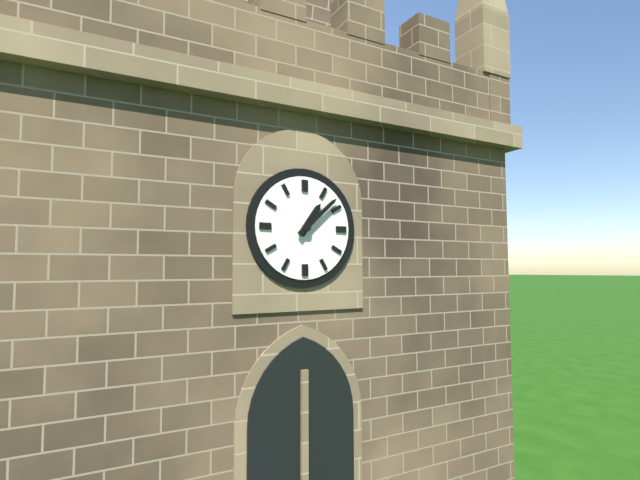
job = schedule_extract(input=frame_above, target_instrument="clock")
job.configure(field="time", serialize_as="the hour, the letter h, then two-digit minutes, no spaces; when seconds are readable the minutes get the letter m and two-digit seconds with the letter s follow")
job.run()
1h08
